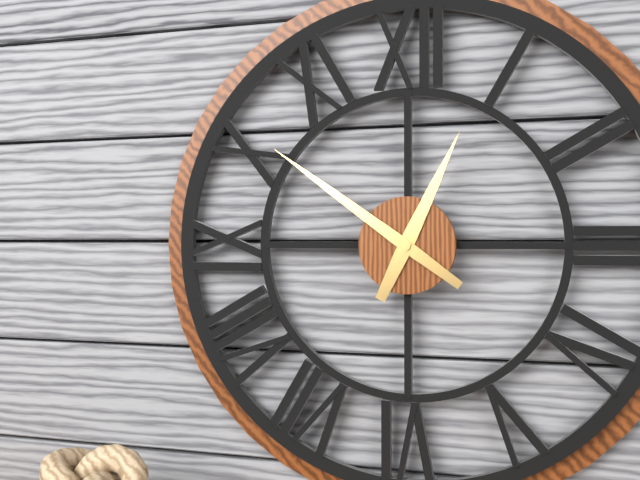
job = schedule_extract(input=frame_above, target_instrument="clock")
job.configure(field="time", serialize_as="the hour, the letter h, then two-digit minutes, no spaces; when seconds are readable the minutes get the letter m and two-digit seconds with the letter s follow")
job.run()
12h51
